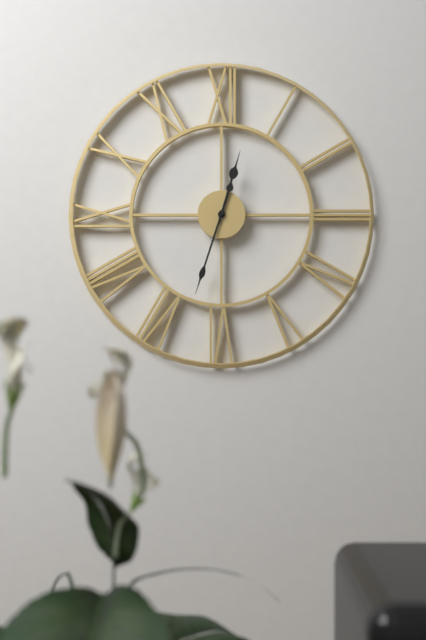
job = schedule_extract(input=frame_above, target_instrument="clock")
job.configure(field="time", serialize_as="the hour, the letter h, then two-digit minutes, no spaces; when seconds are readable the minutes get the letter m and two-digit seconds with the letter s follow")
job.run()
12h33
